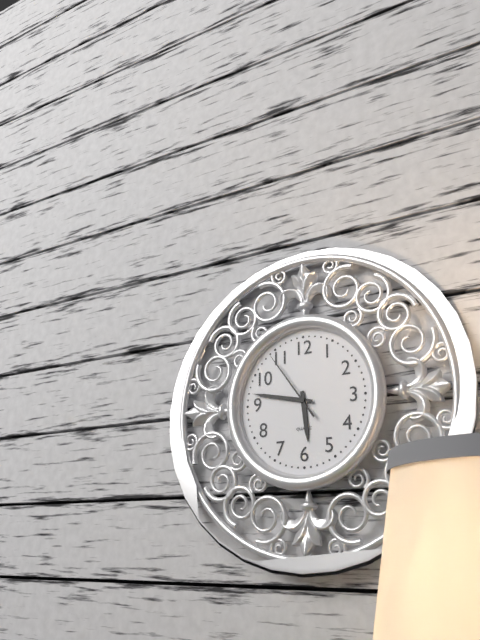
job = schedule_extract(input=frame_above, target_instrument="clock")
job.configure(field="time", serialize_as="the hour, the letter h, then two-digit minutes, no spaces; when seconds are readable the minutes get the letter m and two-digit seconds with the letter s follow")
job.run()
5h47m54s
